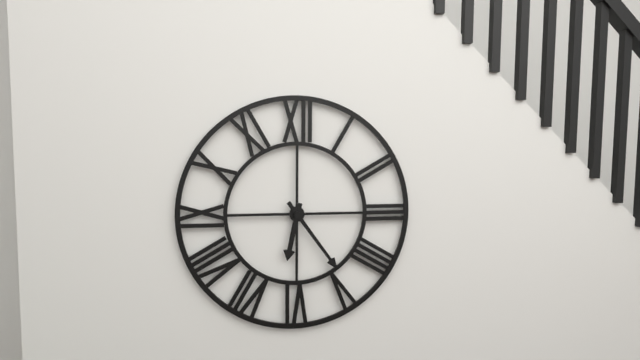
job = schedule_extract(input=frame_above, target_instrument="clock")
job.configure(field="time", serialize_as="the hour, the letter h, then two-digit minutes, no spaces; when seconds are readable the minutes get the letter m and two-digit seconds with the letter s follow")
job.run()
6h24
